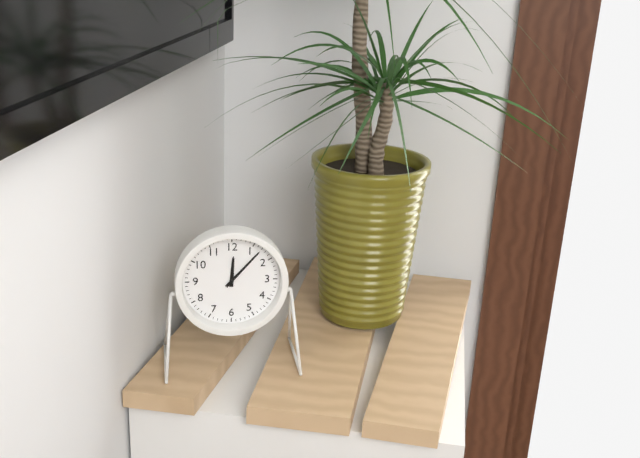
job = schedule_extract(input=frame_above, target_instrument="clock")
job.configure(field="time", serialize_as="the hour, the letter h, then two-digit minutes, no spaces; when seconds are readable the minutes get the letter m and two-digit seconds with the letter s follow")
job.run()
12h07
